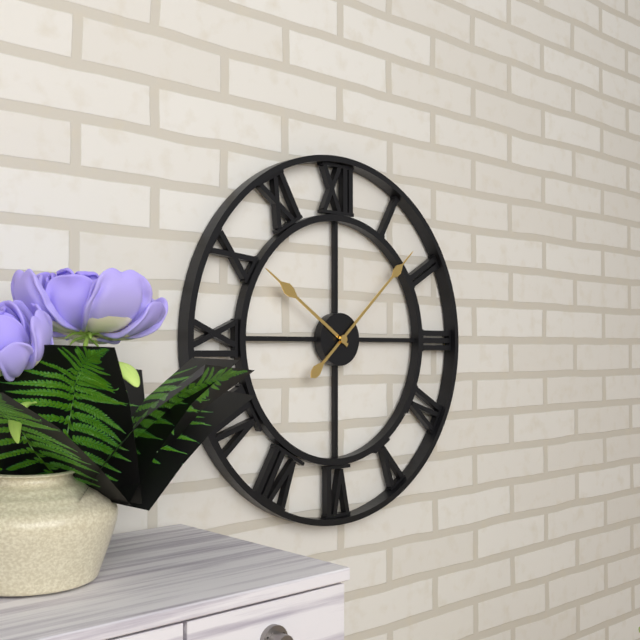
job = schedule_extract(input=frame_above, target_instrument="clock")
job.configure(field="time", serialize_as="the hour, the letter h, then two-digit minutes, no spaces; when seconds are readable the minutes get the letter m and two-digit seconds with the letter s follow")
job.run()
10h08
